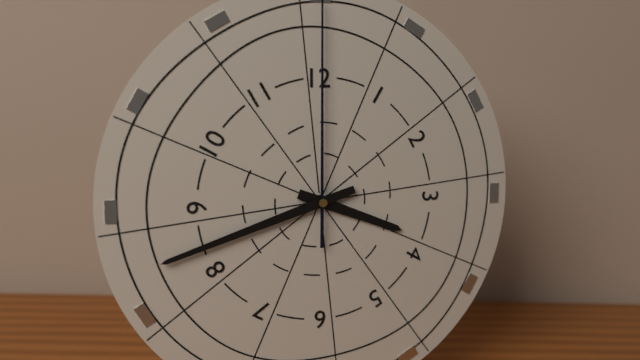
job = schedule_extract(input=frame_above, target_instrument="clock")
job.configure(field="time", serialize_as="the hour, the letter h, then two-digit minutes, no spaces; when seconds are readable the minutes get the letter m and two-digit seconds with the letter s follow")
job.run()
3h42
